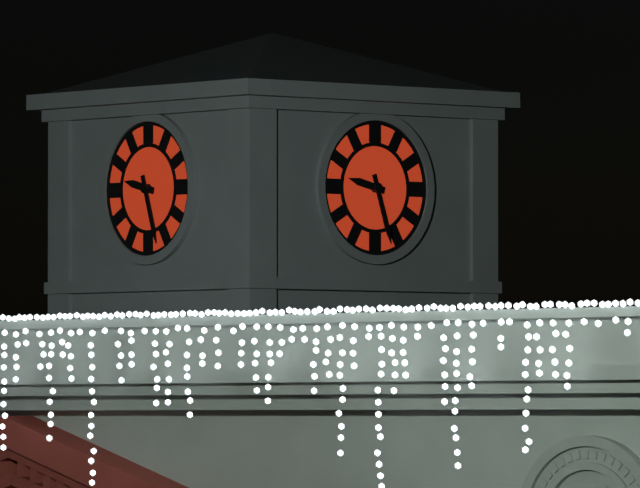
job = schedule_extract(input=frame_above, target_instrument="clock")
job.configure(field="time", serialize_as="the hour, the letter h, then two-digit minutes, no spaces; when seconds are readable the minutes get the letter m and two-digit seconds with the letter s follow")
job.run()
9h27
